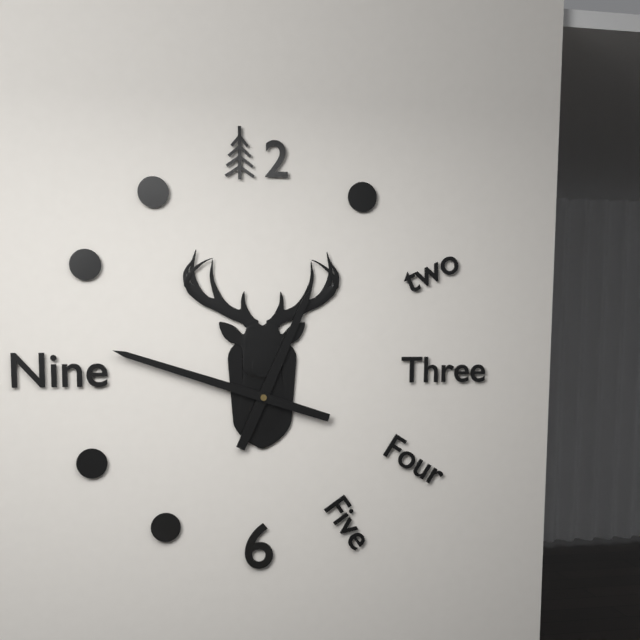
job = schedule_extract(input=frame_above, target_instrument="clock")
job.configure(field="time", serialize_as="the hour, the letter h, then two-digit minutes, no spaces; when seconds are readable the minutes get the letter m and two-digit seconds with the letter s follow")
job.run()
12h48
